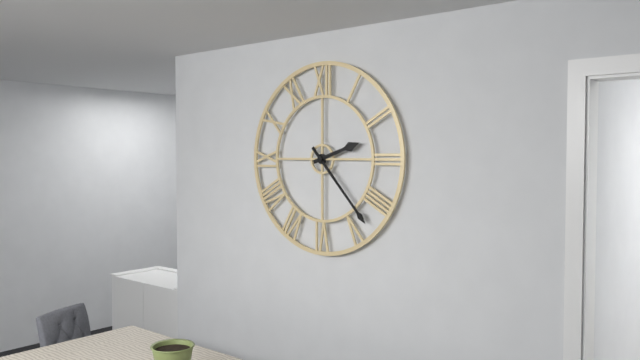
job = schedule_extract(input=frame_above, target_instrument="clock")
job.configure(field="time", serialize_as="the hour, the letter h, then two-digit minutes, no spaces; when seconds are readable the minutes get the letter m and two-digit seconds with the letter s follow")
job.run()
2h23
